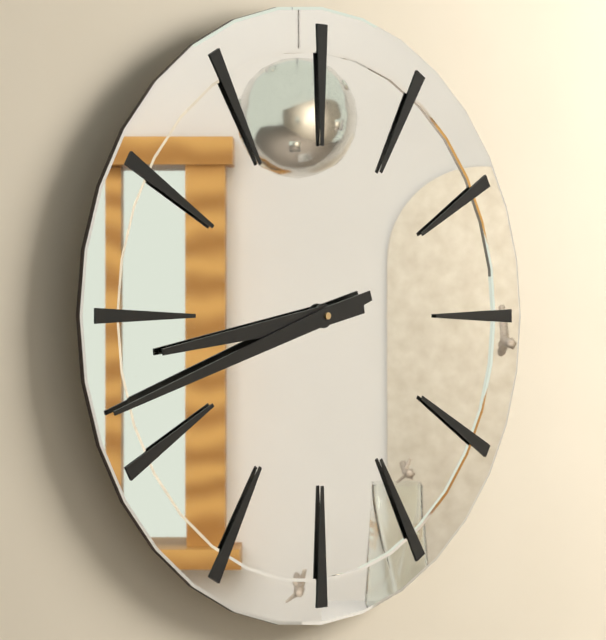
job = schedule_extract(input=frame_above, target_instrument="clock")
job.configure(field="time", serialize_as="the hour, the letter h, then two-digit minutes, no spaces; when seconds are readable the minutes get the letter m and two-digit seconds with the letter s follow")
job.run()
8h42
